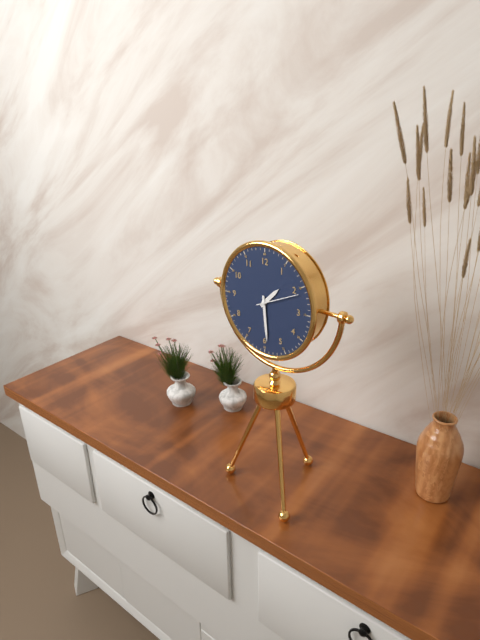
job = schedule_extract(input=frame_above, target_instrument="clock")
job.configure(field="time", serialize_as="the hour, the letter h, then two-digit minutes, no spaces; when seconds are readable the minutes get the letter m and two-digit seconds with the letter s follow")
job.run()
1h29
